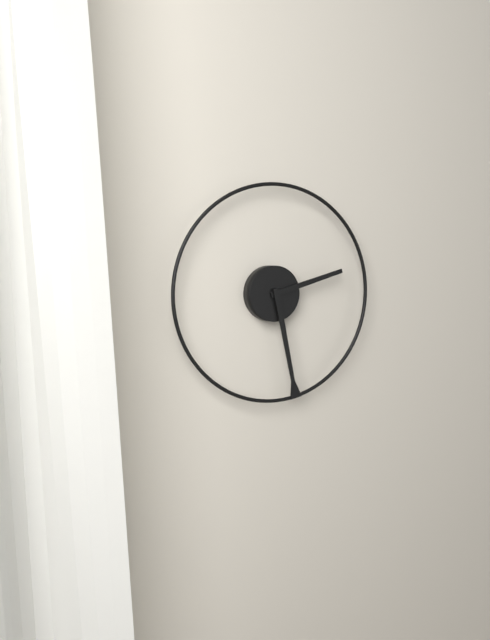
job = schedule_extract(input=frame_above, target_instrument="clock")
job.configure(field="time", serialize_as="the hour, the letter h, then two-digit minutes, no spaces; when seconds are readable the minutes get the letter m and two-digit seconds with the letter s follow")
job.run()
2h28
